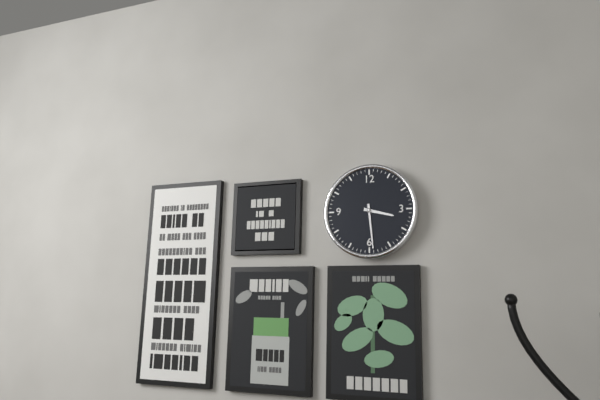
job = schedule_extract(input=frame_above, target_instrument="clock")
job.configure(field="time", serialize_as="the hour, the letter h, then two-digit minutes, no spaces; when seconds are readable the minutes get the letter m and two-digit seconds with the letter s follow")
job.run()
3h29
